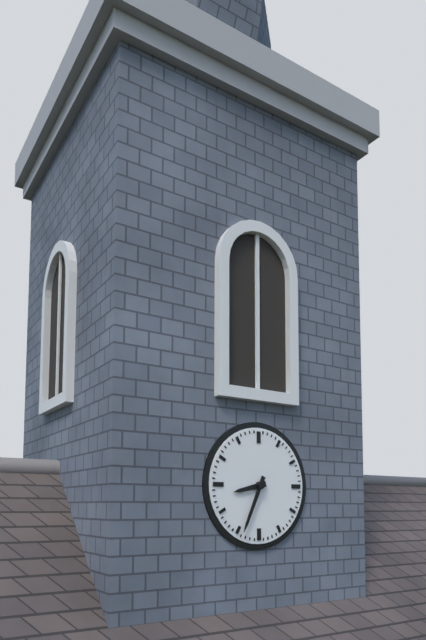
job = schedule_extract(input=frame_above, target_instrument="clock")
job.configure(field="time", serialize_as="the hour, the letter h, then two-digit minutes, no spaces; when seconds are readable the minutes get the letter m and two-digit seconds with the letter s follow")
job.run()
8h34
